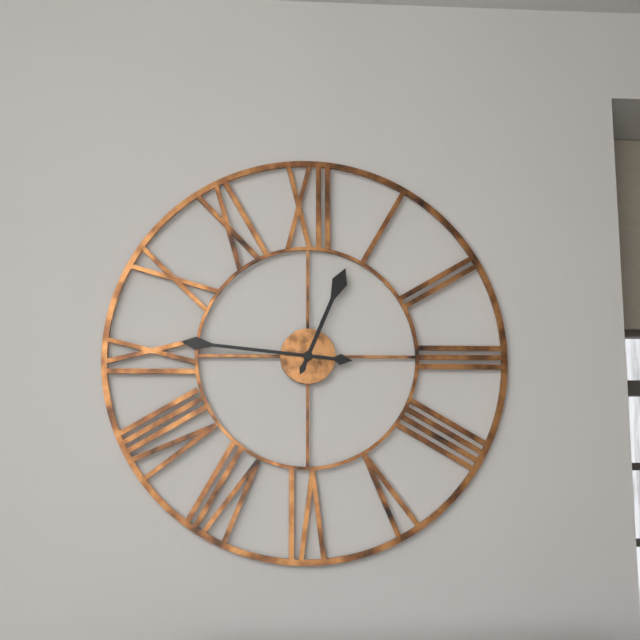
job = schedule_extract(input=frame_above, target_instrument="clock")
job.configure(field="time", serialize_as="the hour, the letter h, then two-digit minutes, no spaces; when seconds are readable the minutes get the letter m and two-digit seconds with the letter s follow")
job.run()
12h46
